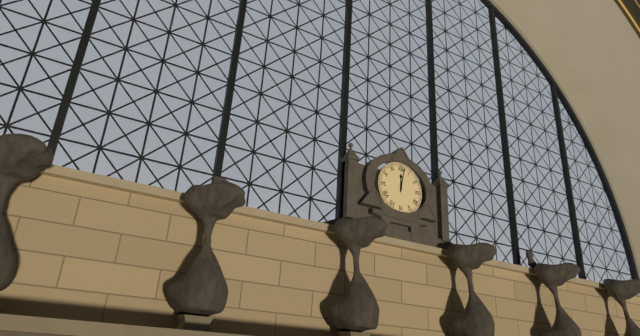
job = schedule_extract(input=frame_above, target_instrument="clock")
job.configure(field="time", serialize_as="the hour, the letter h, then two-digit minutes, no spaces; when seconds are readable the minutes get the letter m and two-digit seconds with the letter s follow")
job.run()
12h02
